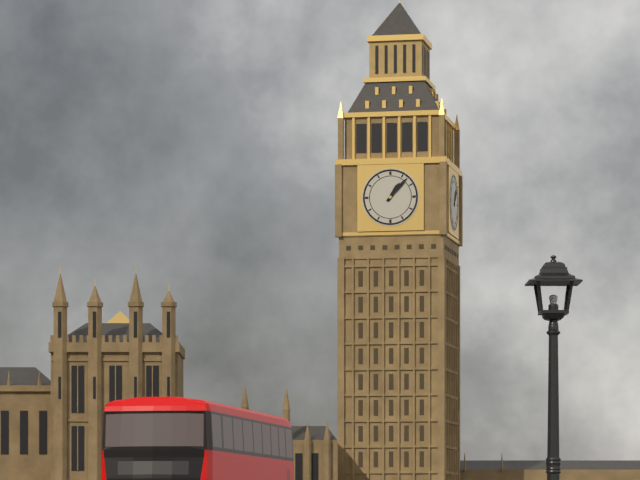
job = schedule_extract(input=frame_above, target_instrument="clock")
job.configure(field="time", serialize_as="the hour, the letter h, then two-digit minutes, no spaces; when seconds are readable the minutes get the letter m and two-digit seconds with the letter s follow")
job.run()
1h07
